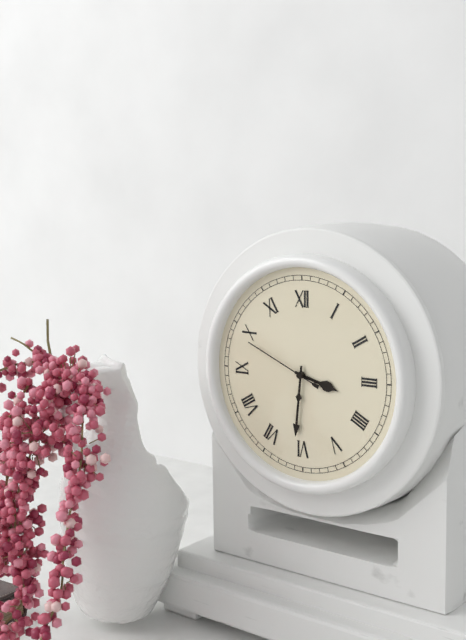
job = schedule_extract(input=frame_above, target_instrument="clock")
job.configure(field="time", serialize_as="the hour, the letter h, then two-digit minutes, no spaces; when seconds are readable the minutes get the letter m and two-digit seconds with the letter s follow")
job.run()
3h31m49s
